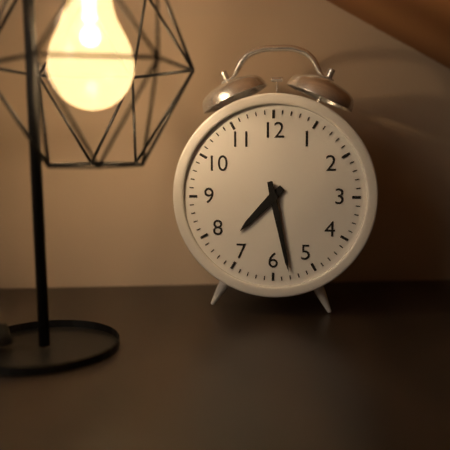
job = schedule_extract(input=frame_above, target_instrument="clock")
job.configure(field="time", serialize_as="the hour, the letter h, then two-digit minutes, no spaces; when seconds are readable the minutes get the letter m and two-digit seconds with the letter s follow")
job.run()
7h28
